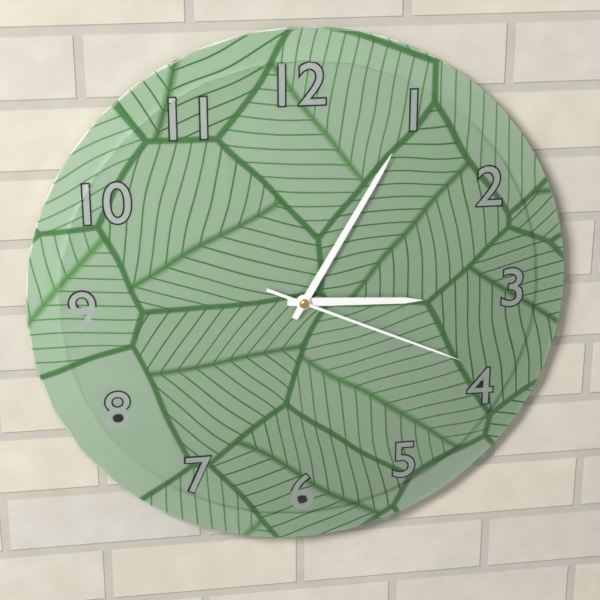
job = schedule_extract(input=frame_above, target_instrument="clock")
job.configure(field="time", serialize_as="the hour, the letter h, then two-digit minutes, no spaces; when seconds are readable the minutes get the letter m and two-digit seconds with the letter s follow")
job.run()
3h05m19s
